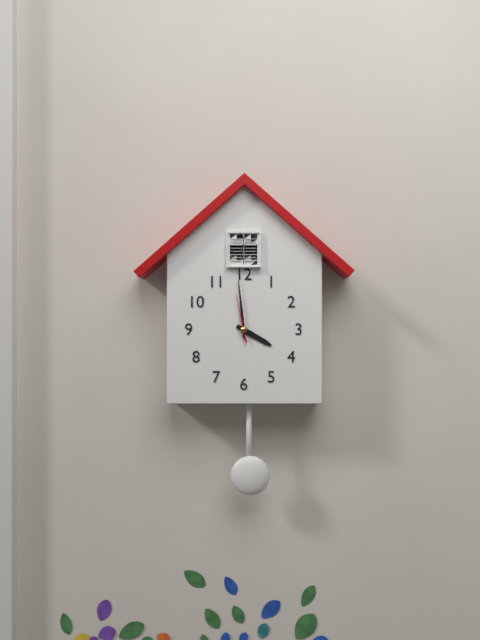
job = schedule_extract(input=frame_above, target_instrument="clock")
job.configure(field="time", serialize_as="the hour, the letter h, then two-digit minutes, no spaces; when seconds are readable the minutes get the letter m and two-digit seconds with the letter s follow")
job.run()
3h59
